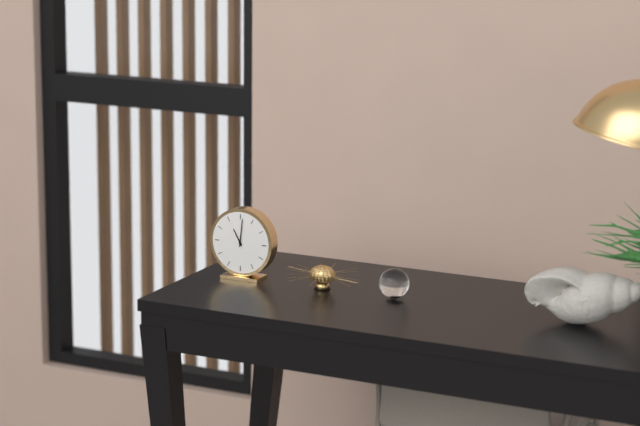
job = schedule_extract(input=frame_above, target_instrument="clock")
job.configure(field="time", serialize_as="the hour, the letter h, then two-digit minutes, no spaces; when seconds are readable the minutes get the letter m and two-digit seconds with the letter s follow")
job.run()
11h01
